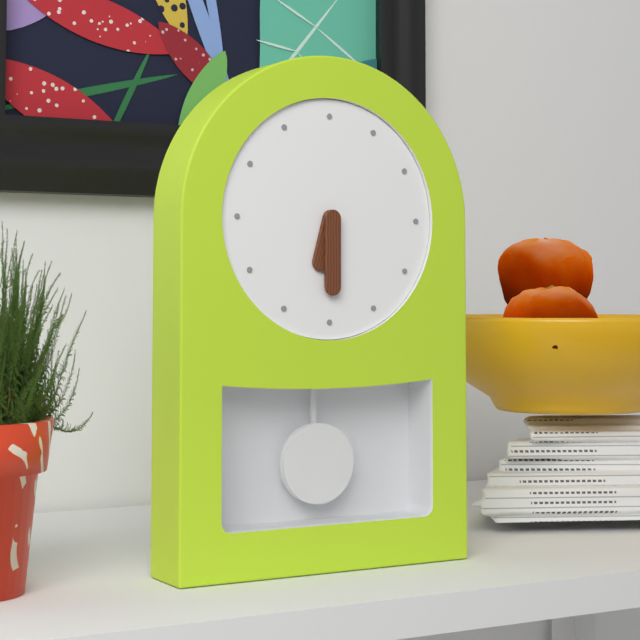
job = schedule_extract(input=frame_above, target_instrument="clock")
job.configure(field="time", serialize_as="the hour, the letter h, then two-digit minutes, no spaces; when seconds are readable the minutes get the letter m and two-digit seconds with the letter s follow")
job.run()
6h30
